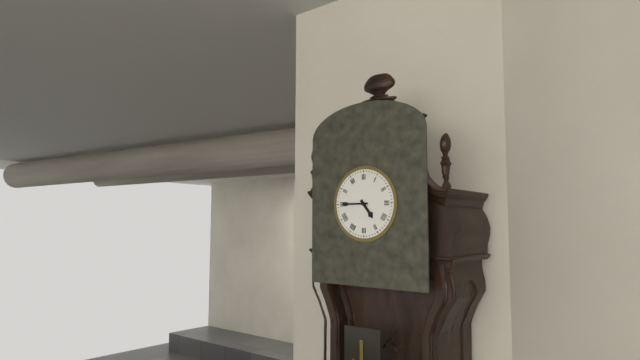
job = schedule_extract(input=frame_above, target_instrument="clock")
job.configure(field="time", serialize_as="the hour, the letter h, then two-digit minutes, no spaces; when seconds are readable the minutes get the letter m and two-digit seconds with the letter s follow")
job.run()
4h45
